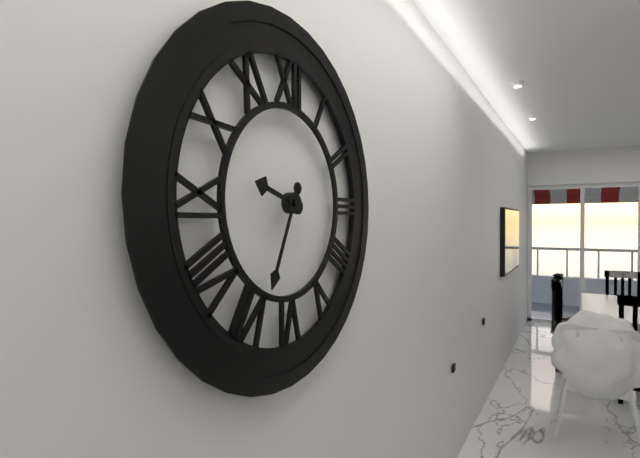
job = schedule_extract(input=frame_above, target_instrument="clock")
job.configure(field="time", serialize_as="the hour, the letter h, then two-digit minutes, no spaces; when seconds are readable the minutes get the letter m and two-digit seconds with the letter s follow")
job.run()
9h34
